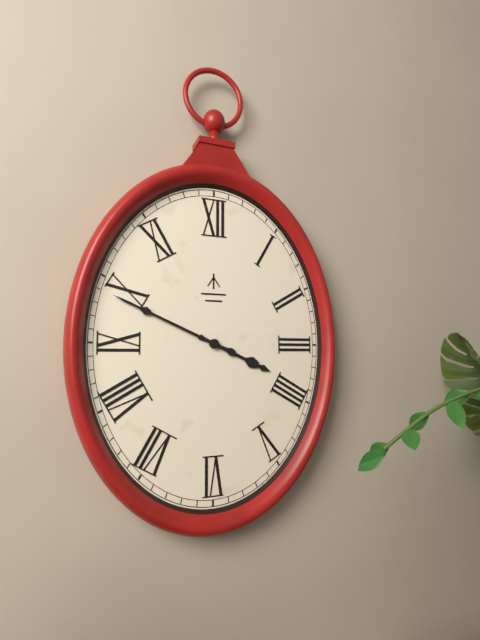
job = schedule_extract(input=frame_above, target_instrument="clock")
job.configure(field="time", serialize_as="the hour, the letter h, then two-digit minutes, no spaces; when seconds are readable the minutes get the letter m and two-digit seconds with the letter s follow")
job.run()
3h49
